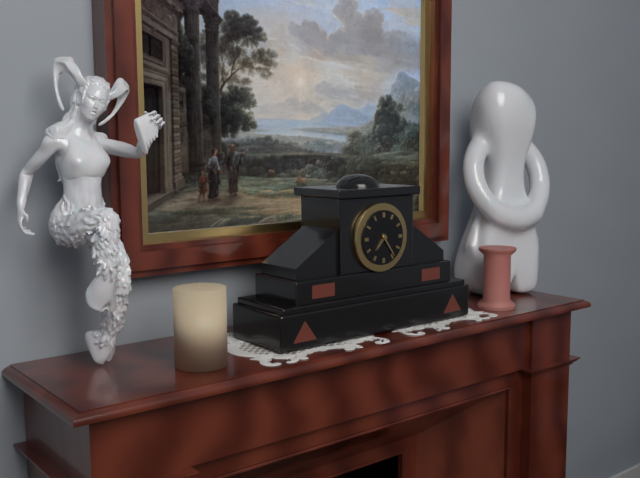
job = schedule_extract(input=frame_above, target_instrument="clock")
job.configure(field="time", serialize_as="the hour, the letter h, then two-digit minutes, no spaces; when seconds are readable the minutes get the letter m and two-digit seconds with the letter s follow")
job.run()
7h24
